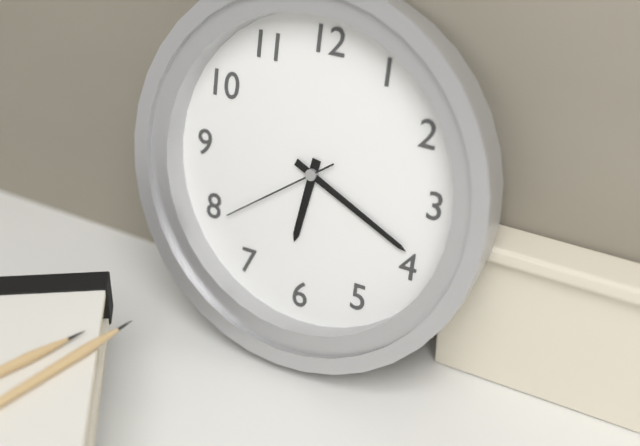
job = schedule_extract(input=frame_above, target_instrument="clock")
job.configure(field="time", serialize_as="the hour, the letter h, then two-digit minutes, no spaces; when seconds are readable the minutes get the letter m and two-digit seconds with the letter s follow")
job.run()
6h19m39s
